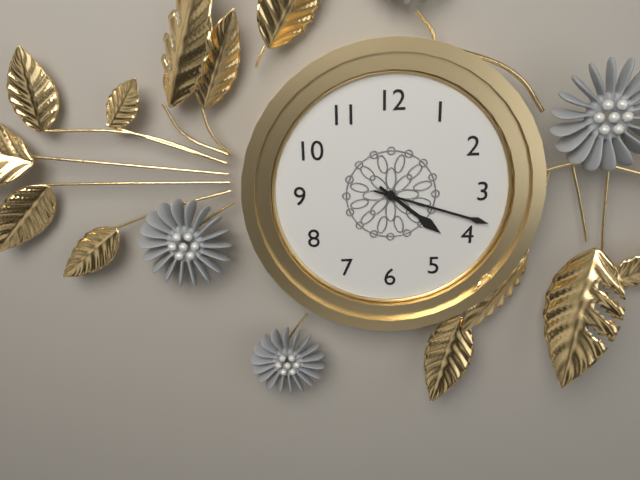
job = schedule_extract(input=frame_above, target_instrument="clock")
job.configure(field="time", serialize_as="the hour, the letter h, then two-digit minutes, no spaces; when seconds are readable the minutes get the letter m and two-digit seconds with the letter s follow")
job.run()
4h18
